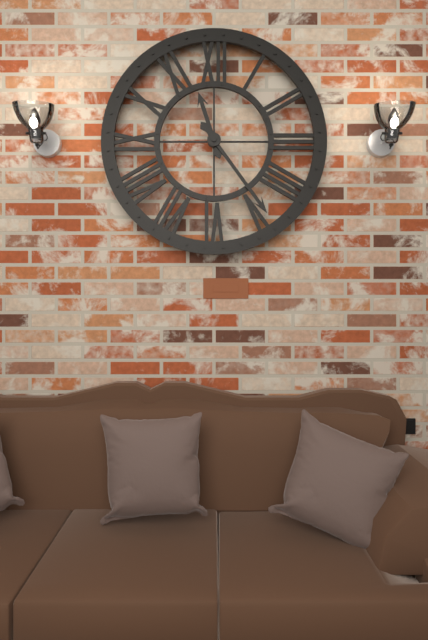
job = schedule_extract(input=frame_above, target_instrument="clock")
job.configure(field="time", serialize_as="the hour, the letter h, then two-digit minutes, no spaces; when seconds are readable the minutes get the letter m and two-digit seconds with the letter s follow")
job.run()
11h24
